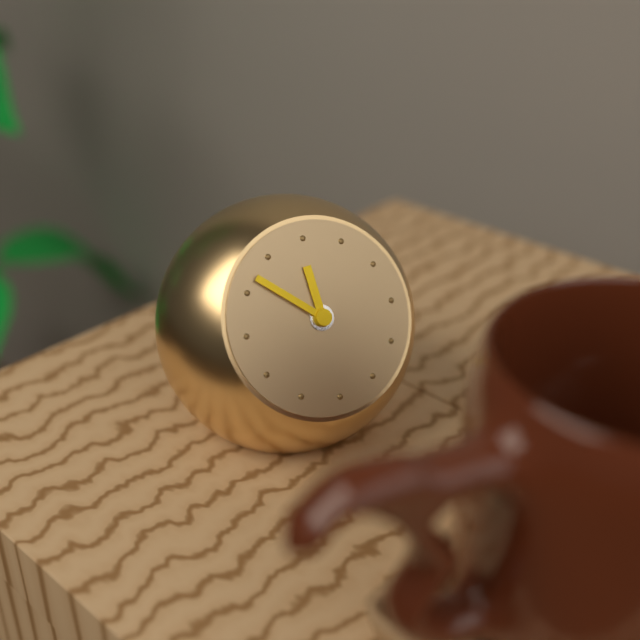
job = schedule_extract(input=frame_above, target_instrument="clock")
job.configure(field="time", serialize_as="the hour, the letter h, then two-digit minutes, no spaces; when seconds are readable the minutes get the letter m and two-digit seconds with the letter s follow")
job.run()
11h52
